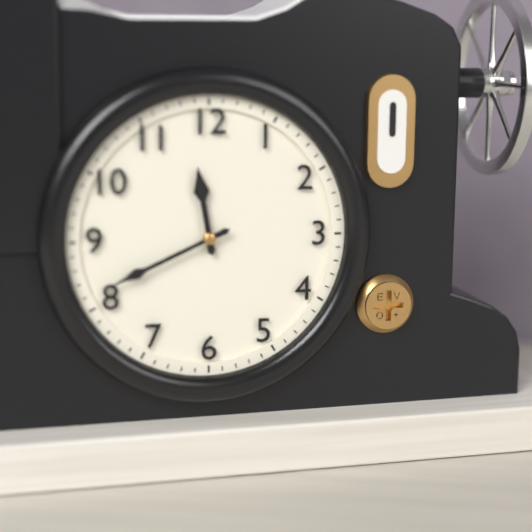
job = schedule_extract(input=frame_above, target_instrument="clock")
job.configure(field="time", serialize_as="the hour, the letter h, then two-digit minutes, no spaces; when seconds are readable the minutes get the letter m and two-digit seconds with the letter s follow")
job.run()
11h41
